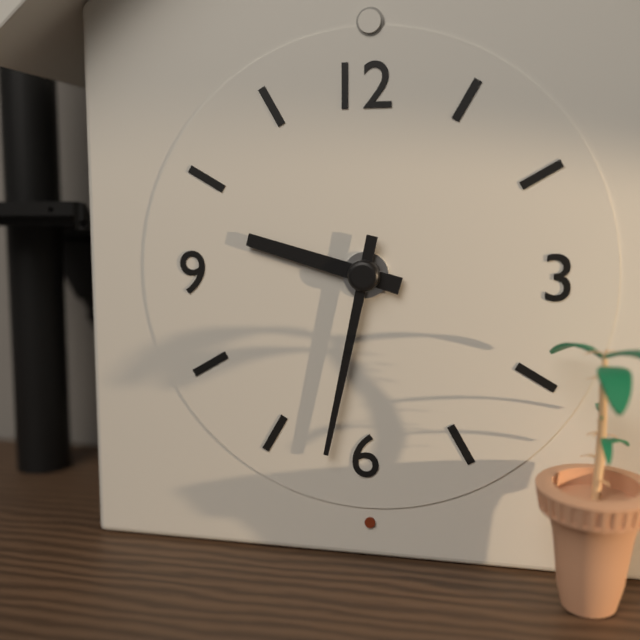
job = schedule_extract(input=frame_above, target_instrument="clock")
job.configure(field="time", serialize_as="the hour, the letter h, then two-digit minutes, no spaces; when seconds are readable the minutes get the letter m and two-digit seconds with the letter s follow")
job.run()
9h32
